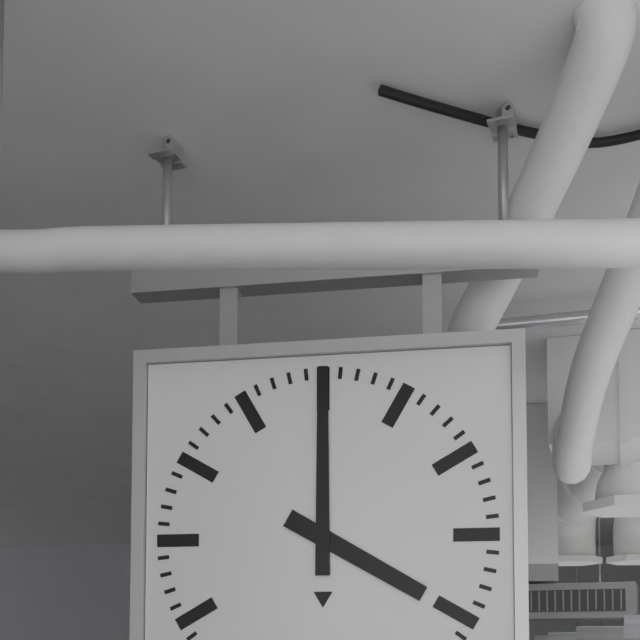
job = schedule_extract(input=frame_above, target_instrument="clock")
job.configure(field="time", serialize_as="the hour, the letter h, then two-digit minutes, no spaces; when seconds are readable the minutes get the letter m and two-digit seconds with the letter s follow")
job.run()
4h00
